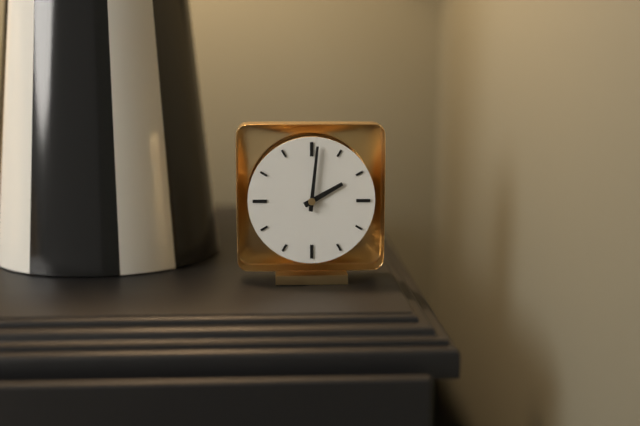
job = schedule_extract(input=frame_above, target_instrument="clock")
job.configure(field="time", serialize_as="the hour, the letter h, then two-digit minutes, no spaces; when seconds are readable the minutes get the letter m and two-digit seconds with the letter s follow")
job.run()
2h01
